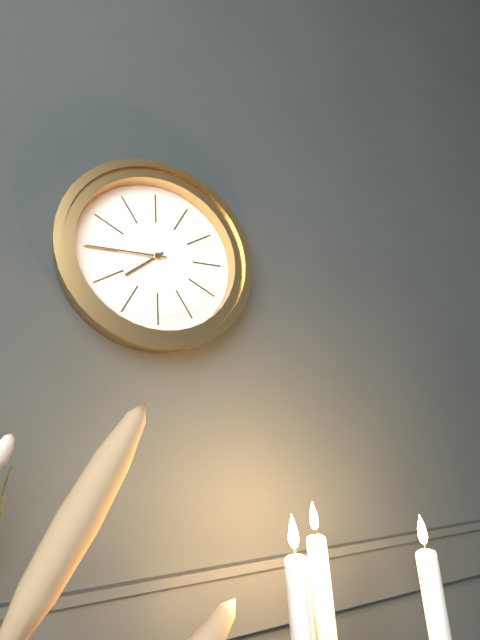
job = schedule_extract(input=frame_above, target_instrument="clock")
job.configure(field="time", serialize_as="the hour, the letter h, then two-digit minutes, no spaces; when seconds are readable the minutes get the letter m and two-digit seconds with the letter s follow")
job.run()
7h45
